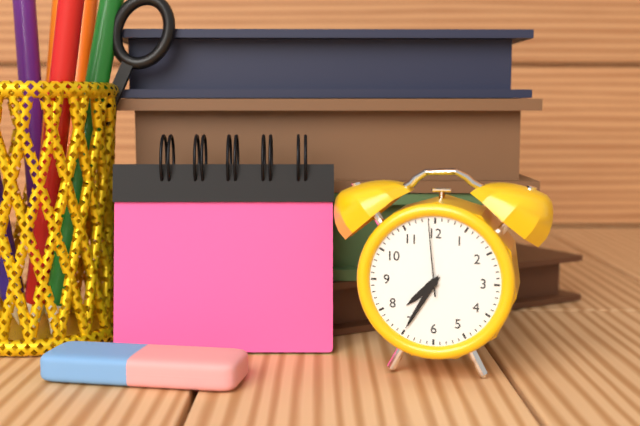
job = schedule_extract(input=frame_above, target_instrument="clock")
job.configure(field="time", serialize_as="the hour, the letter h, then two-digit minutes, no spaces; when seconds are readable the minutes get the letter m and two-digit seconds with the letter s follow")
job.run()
7h35m59s
